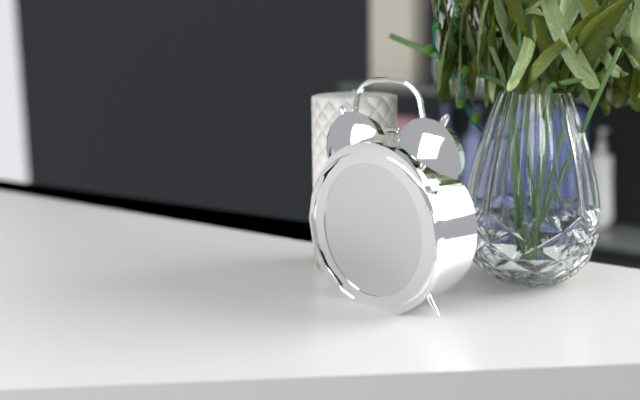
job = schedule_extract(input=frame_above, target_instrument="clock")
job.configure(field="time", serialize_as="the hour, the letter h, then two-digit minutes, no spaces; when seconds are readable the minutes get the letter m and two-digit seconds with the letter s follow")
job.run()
4h57m52s
